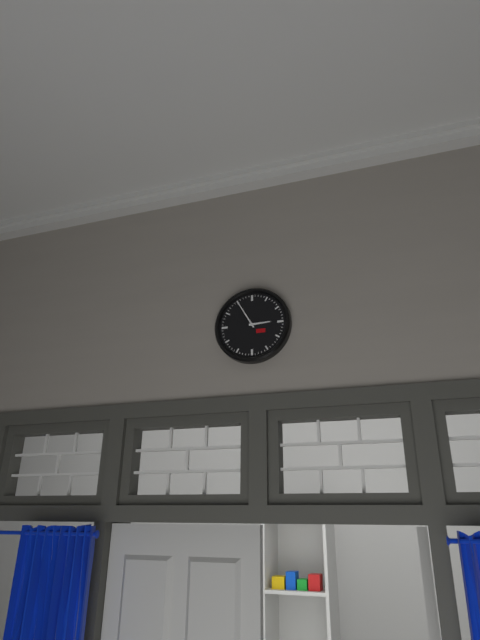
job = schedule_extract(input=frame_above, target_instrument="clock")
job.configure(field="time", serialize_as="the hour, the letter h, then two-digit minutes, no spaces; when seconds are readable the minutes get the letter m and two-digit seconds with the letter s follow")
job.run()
2h55
